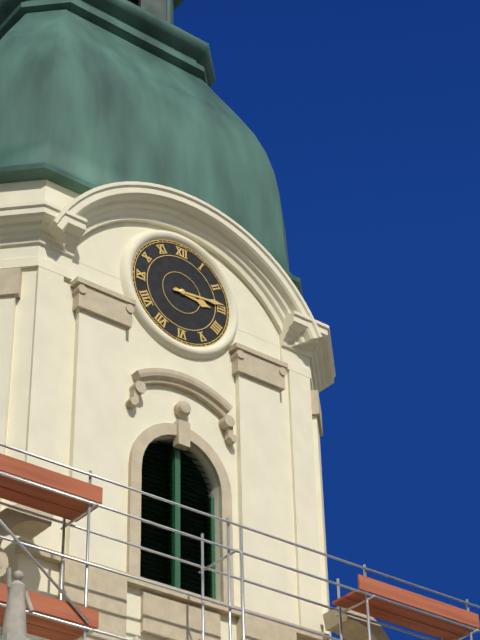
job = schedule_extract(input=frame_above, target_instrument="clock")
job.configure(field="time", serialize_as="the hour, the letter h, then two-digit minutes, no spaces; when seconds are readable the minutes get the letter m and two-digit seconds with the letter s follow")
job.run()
3h14
